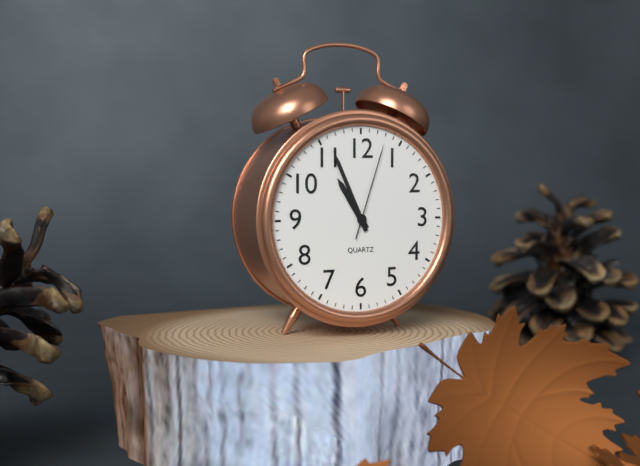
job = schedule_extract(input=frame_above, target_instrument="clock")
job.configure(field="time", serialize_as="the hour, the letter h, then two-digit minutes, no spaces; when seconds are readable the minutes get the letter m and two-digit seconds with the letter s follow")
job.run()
10h56m03s
